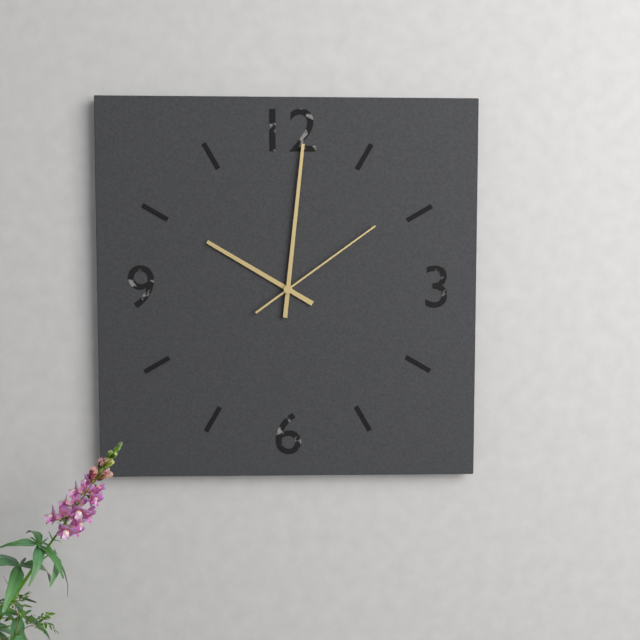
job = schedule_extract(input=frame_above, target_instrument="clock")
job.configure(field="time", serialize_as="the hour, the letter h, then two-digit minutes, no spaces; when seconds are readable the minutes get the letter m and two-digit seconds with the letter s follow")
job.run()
10h01m09s
